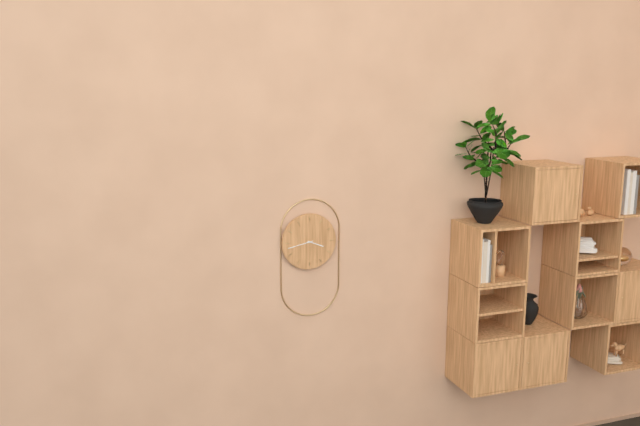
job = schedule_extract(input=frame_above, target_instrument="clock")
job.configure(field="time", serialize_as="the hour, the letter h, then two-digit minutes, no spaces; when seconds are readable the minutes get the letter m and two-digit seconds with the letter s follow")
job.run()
3h43
